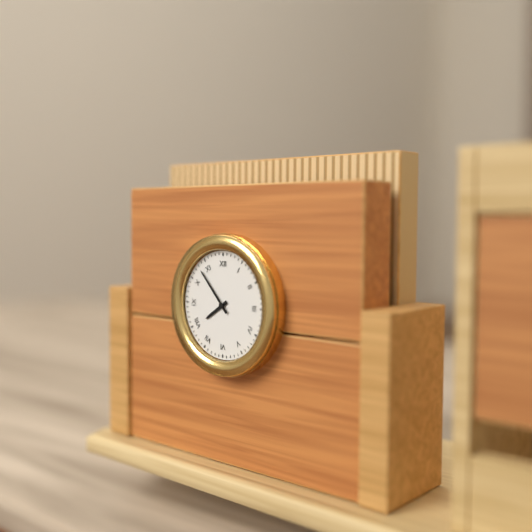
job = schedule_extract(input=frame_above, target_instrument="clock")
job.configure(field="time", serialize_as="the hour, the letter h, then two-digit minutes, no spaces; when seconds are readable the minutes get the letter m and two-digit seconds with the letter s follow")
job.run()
7h53
